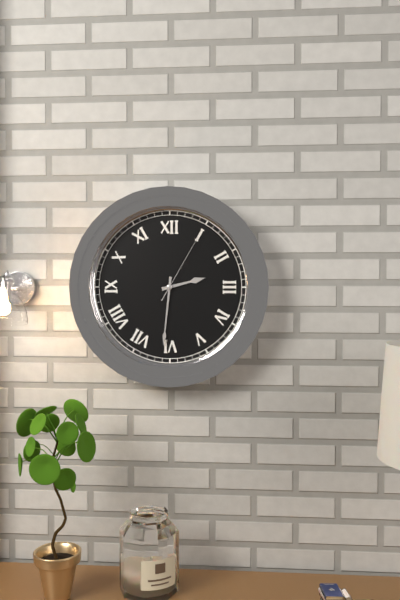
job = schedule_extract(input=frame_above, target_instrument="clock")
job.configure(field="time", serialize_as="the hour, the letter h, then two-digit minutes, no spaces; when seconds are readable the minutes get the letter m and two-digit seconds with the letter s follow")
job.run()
2h31m05s
